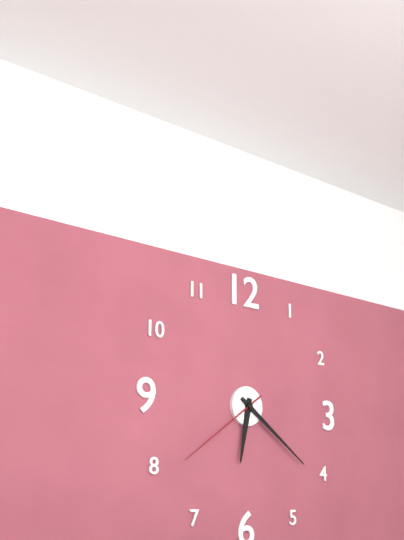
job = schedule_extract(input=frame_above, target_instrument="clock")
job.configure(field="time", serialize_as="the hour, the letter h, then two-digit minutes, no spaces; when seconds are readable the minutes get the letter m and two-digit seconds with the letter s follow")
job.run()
6h21m39s
